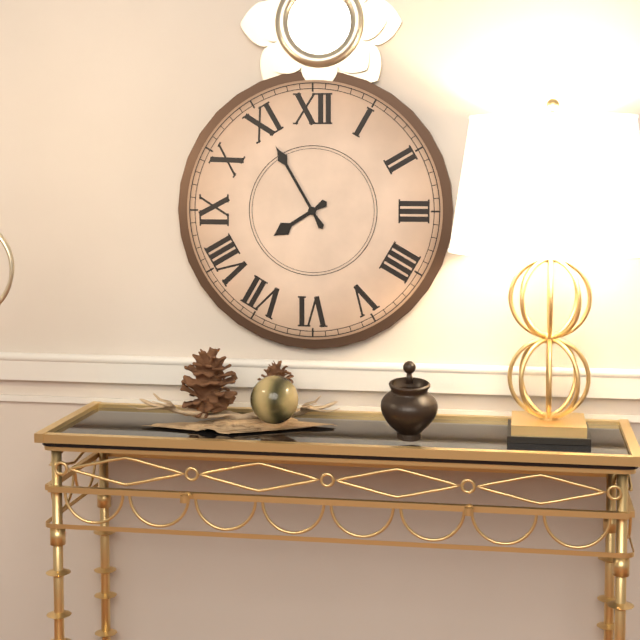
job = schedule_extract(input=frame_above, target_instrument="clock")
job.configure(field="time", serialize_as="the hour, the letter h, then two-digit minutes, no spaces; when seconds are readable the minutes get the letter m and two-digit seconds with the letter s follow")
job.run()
7h55
